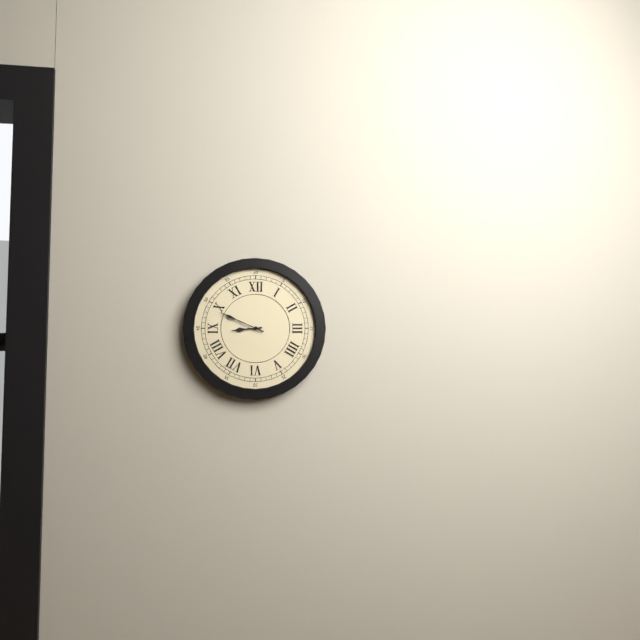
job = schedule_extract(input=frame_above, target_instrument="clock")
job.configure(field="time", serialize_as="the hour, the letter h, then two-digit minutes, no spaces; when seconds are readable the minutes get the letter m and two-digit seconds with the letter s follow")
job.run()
8h49
